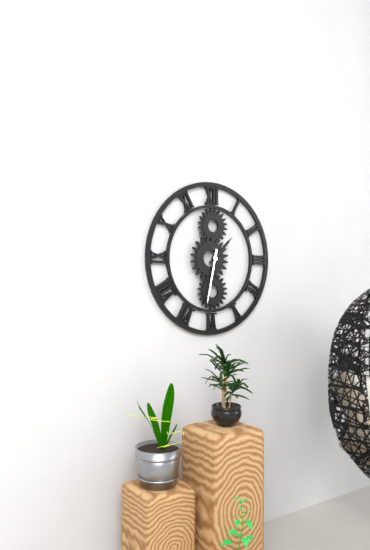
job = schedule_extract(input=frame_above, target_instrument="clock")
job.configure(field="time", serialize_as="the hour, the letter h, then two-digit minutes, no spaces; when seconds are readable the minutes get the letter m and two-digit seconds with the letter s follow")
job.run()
1h32
